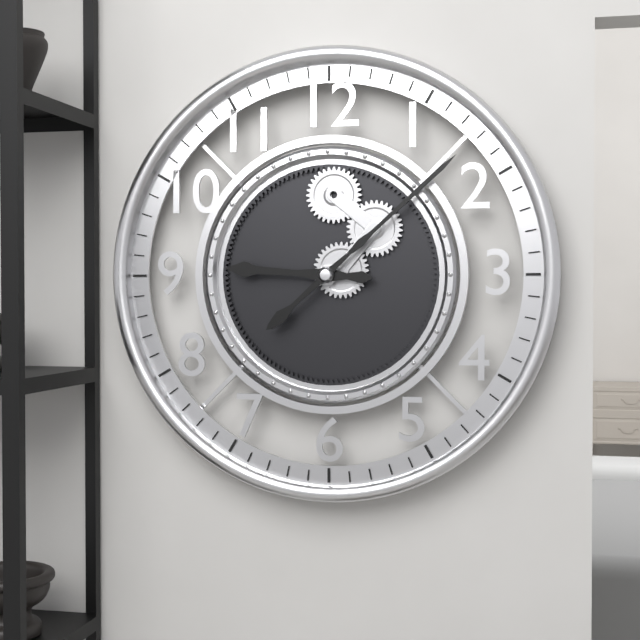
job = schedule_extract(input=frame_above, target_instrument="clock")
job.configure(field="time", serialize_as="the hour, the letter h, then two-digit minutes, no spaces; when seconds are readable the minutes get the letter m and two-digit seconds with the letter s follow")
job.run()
9h08
